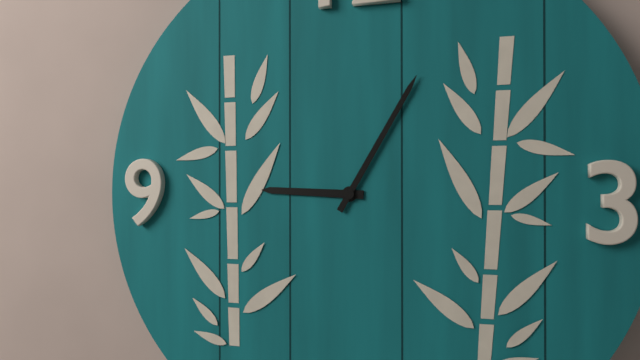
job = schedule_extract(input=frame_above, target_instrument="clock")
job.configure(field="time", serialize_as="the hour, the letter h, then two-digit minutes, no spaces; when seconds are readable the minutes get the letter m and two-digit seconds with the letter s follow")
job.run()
9h05
